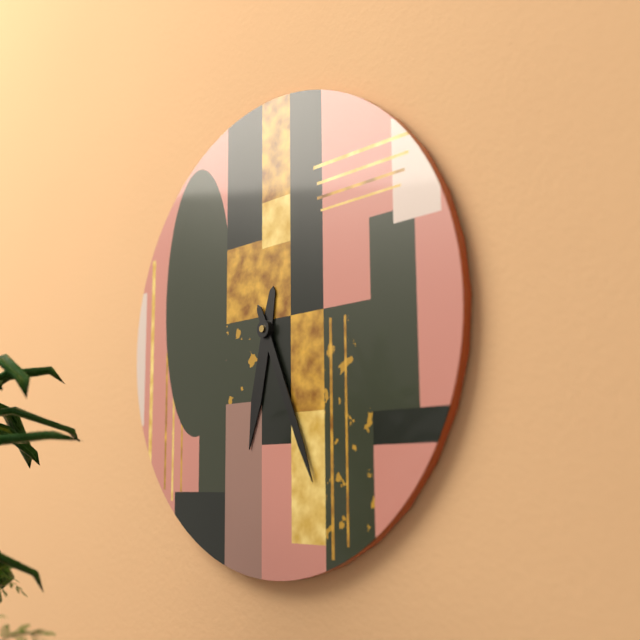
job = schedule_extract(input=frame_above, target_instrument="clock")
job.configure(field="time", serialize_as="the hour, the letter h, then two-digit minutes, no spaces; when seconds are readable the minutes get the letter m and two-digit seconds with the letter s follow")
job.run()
6h26
